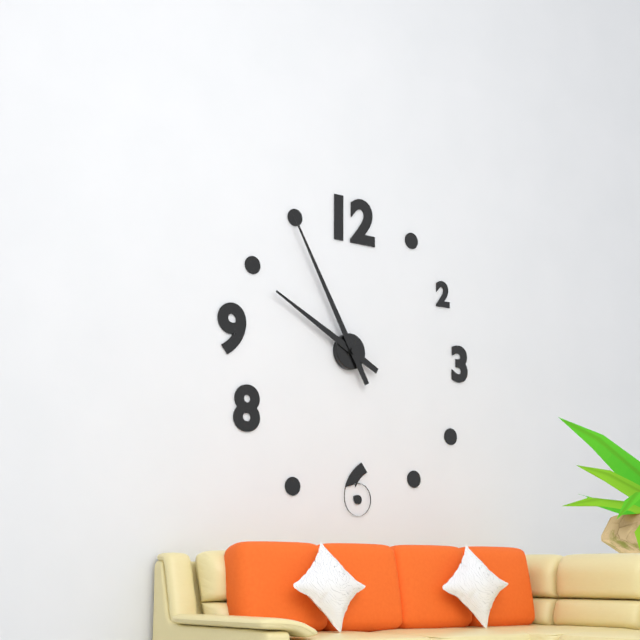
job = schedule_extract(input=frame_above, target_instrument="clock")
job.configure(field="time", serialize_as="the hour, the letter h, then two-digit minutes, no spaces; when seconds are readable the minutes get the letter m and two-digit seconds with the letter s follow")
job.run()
9h55
